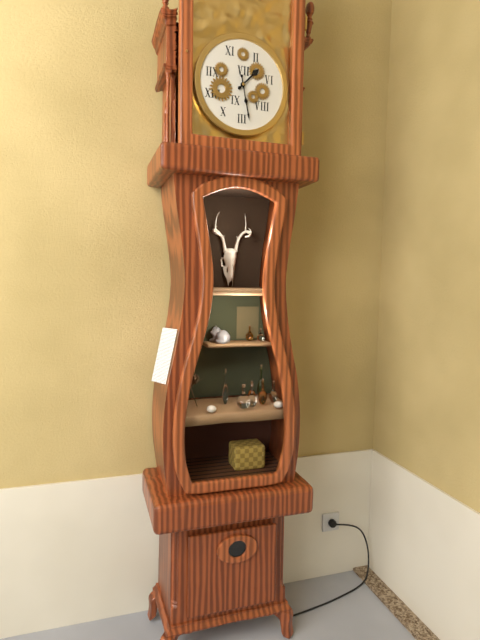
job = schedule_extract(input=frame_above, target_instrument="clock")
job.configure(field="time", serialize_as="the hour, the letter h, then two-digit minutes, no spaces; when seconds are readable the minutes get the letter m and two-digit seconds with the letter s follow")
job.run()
1h28
